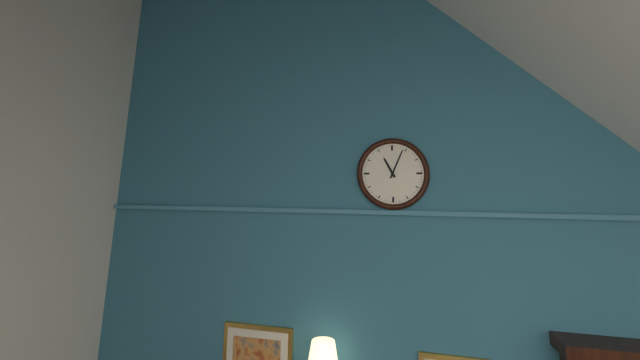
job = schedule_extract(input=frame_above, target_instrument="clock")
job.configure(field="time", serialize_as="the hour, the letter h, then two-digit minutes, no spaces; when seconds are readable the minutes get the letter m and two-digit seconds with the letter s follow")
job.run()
11h04
